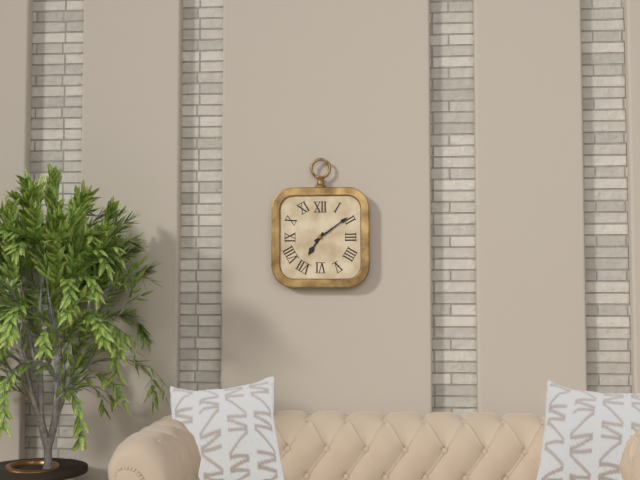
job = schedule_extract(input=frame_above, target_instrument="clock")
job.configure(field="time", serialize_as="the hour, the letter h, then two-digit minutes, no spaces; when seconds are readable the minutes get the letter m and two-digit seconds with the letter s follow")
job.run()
7h09
